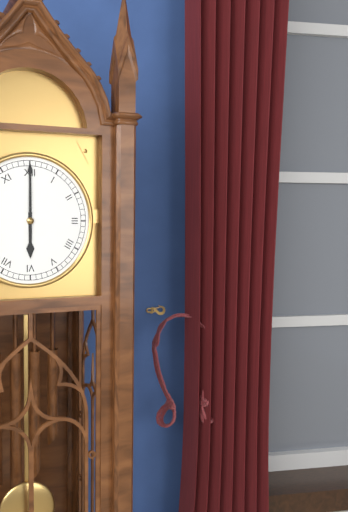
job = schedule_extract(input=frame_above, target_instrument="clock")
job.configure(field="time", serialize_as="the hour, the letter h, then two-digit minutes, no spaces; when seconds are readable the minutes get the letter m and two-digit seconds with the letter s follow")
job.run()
6h00
